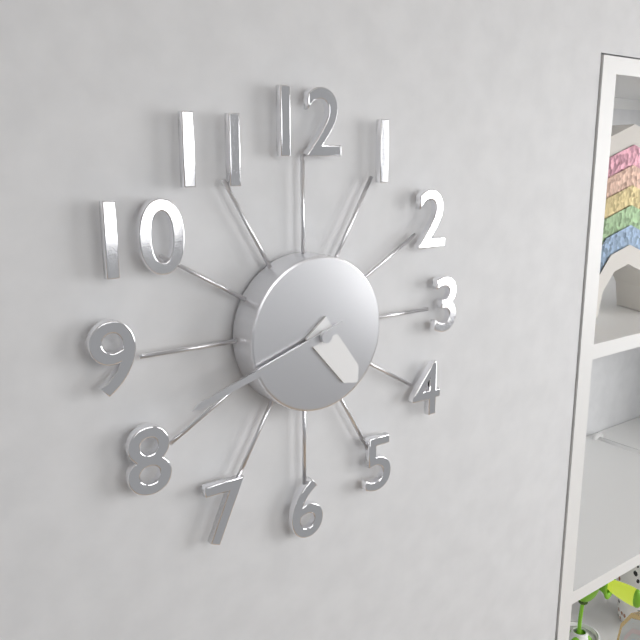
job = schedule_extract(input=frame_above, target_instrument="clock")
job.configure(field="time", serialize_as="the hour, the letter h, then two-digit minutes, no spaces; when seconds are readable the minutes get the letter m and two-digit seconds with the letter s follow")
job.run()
4h42
